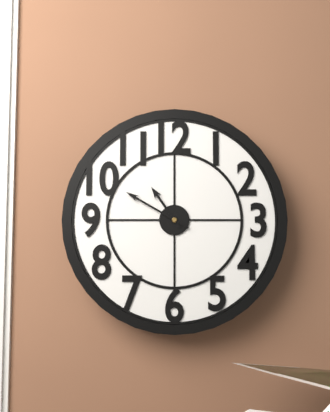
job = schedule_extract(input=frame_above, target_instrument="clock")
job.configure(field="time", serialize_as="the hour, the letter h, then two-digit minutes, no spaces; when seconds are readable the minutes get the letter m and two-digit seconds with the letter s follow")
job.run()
10h50
